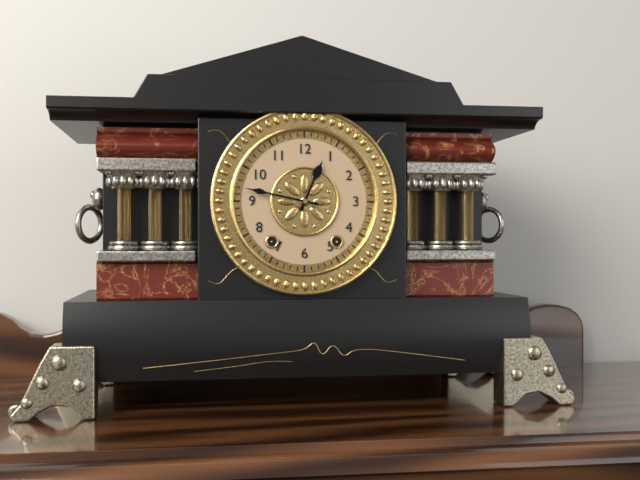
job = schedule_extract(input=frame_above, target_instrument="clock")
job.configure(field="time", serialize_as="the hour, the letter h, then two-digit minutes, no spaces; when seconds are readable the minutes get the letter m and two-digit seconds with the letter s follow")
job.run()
12h47
